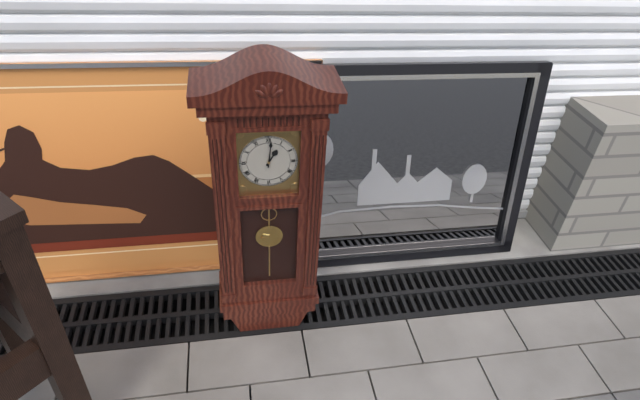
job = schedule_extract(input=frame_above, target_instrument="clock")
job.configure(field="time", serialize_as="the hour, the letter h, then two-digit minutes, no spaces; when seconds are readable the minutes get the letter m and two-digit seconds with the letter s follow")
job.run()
1h01
